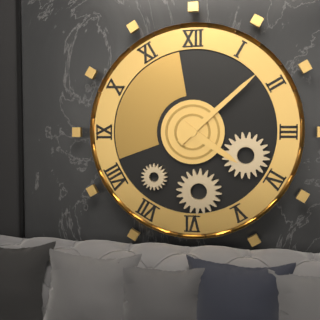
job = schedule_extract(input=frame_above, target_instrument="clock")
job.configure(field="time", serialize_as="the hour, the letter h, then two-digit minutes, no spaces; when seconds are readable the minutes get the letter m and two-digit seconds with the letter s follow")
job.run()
4h08
